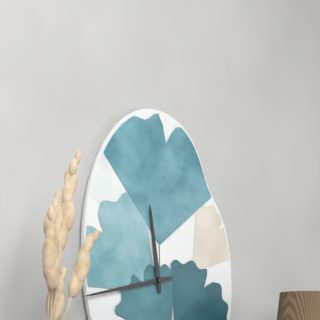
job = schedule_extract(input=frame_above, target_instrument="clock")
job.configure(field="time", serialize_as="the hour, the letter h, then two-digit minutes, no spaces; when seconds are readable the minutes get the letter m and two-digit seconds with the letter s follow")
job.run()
11h43
